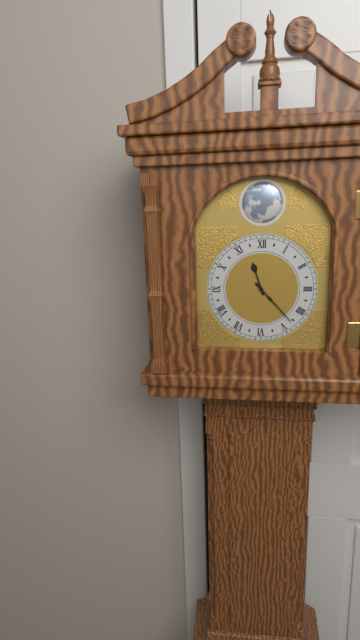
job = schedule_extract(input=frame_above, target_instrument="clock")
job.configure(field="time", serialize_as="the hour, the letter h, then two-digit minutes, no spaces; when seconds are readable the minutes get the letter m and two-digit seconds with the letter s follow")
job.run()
11h23
